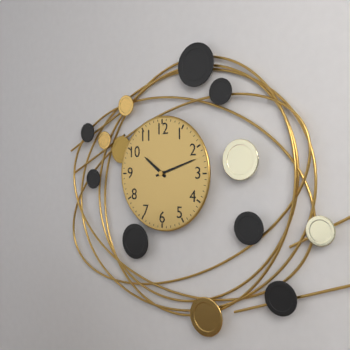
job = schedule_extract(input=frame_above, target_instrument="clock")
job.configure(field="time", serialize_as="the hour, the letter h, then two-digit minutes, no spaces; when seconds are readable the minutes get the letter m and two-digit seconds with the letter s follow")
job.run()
10h12
